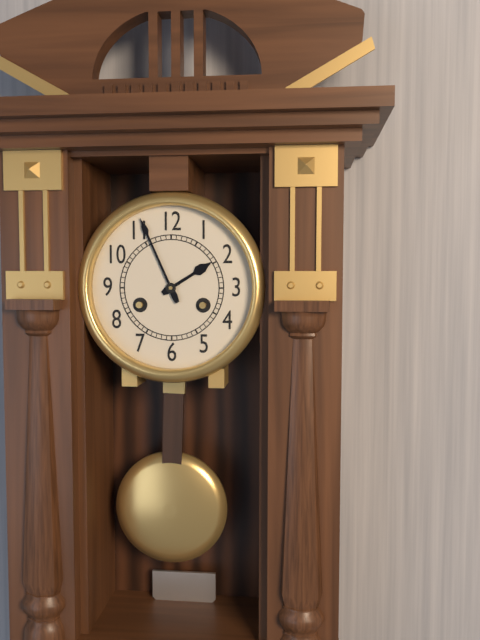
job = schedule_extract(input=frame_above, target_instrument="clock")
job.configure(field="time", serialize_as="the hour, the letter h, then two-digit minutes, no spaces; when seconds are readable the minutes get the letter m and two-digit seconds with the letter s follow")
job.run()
1h56
